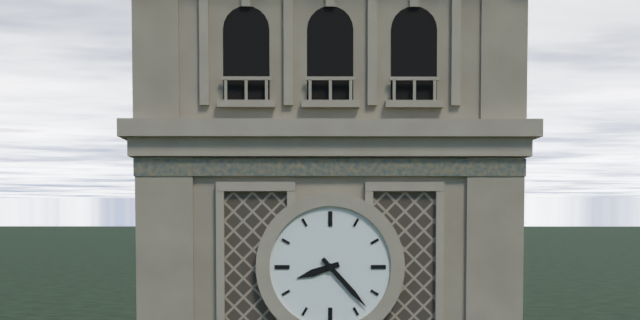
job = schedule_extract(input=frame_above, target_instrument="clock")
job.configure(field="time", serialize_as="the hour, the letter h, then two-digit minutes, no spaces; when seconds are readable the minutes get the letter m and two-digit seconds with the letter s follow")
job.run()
8h23
